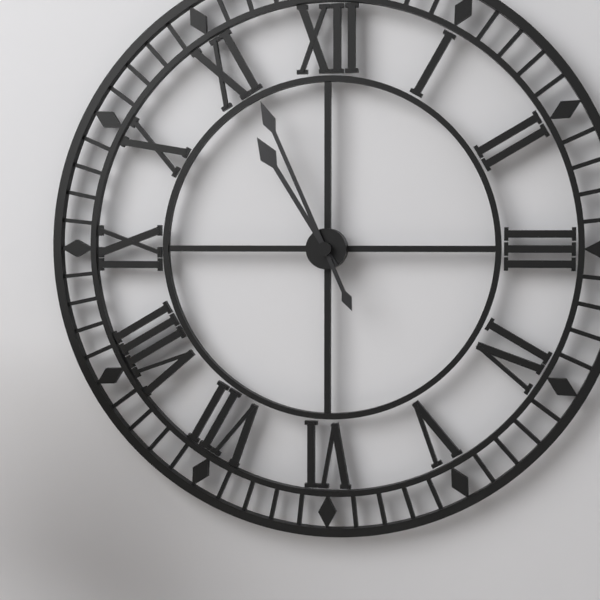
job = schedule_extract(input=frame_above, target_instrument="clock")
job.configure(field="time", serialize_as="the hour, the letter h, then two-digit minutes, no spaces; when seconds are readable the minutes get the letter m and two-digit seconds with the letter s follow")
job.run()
10h56
